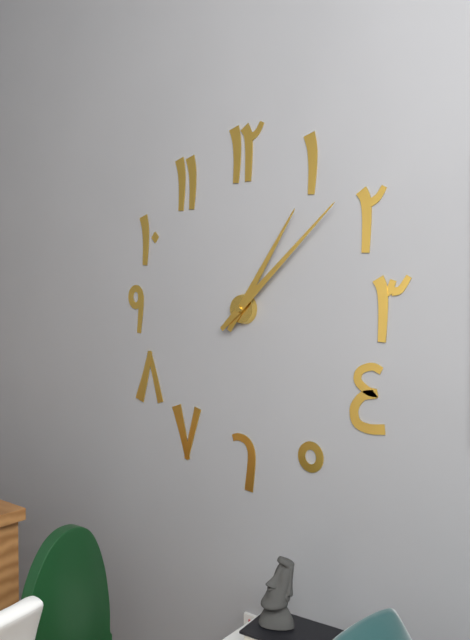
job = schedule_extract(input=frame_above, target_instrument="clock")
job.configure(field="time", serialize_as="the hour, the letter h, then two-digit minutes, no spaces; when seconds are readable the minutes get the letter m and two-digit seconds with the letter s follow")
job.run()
1h08
